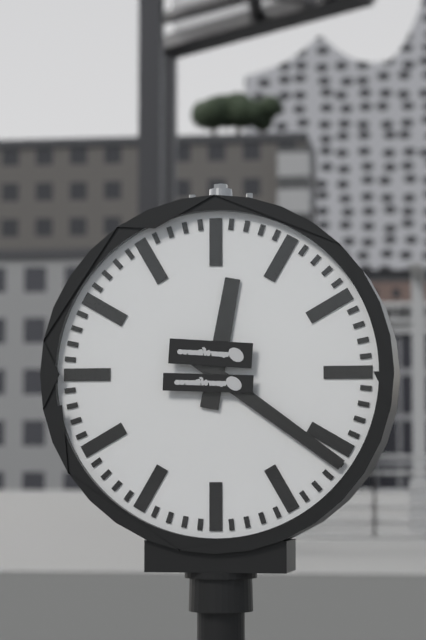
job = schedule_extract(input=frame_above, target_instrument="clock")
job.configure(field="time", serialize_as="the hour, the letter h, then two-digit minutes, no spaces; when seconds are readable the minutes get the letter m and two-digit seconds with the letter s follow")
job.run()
12h21
